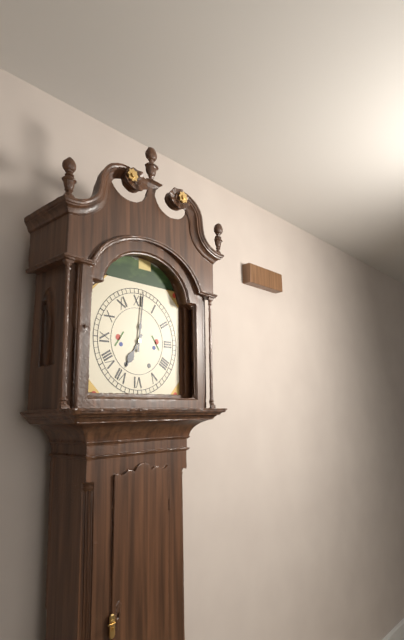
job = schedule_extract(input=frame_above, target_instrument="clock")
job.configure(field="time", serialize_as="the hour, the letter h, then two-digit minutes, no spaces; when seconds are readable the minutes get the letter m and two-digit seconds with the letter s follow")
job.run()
7h01
